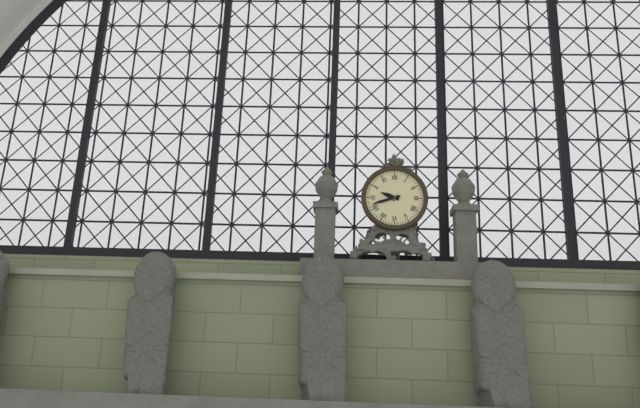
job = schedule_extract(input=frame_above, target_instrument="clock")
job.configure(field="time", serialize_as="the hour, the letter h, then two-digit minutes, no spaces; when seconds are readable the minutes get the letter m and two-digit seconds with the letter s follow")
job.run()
9h42
